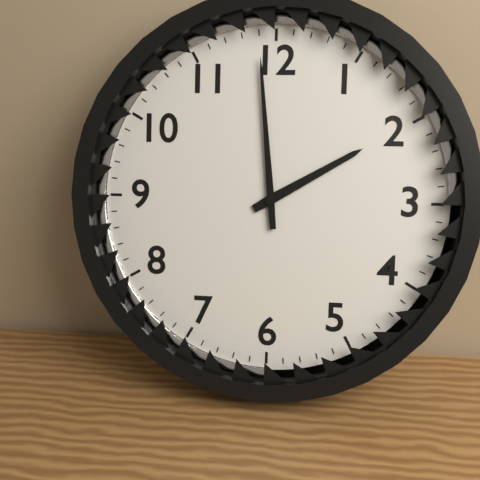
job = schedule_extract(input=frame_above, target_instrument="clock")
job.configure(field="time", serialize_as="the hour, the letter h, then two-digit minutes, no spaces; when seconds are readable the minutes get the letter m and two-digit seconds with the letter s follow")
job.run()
1h59
